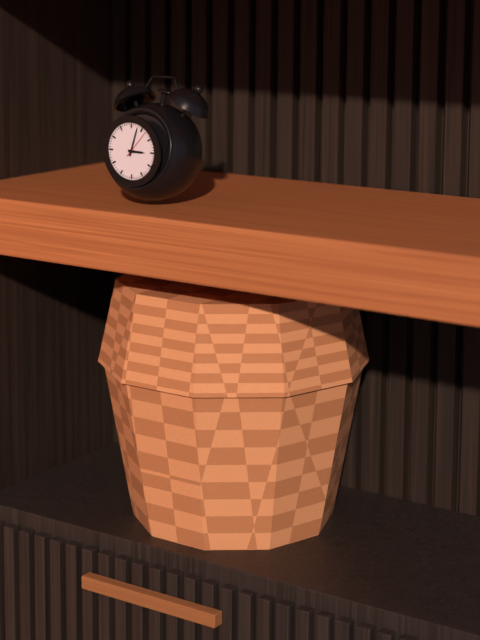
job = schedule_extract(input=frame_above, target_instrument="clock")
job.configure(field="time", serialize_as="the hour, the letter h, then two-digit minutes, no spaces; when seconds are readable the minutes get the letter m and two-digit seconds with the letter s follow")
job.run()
3h03
